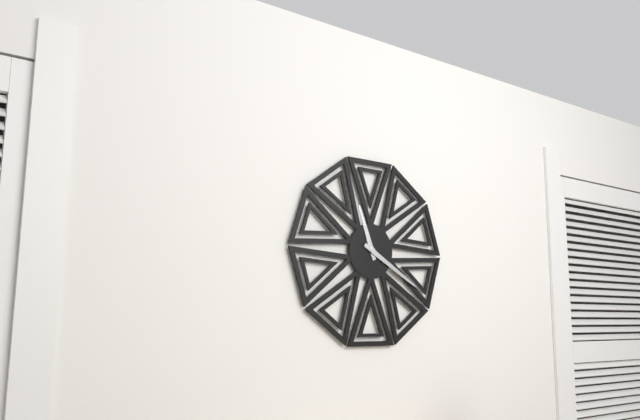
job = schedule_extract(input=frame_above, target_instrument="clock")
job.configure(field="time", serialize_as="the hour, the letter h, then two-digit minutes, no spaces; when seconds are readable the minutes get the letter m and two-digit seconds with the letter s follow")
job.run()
11h20
